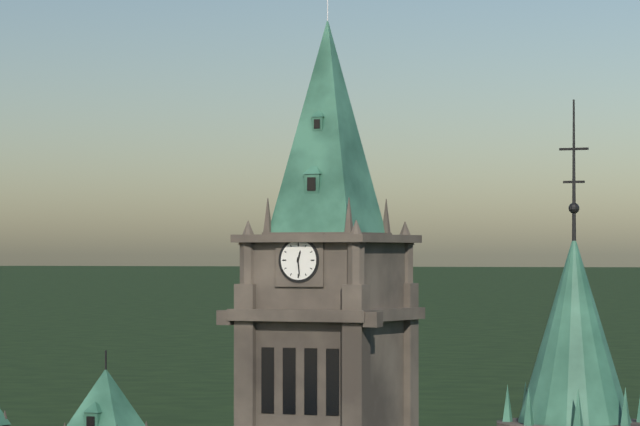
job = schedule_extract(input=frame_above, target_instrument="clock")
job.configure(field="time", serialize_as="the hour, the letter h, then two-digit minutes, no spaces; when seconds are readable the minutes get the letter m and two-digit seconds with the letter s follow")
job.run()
12h29
